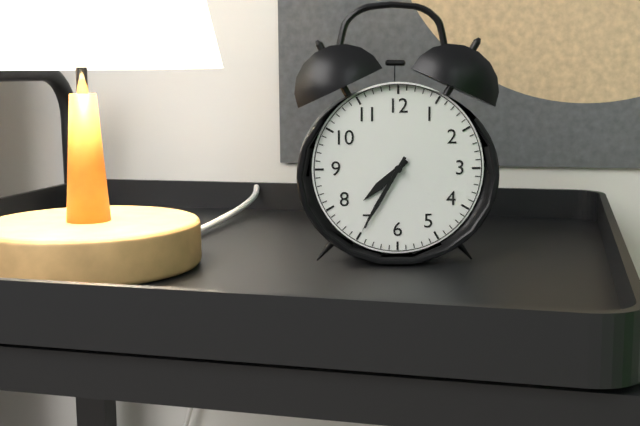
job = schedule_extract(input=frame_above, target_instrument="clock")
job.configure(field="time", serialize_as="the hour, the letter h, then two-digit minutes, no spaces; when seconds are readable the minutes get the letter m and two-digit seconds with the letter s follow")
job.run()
7h35
